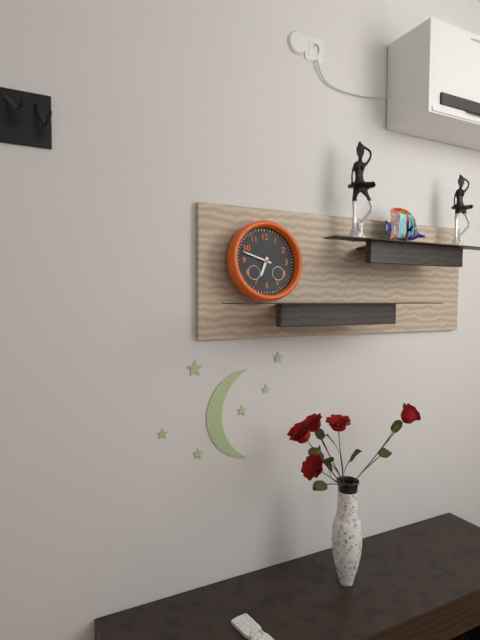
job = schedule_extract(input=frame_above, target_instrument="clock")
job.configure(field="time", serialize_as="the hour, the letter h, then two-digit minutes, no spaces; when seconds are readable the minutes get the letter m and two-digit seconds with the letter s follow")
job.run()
6h48
